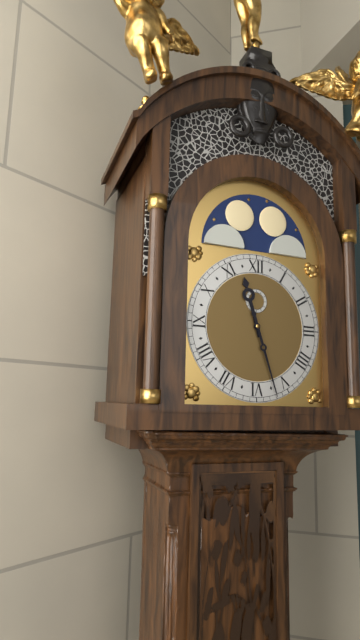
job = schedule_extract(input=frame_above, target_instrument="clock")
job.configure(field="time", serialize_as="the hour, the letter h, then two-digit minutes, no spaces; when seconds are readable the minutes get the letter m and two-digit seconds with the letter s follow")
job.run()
11h27
